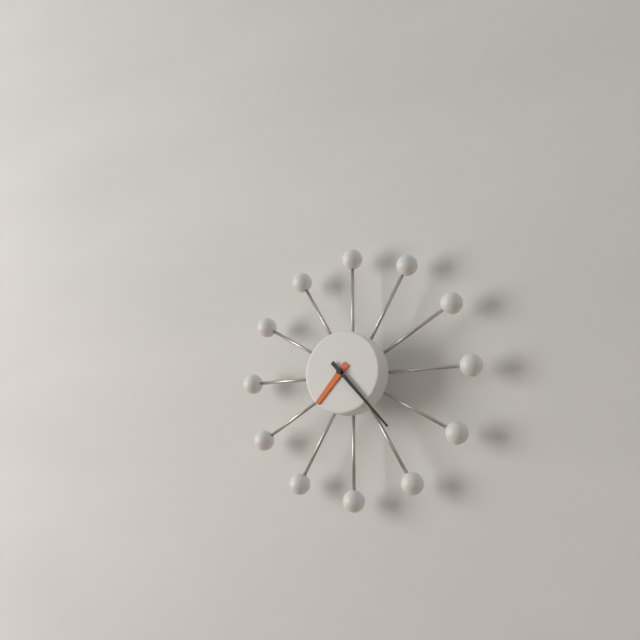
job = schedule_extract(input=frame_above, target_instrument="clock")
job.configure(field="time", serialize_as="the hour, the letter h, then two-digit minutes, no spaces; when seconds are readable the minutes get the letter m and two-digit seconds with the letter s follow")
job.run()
7h23
